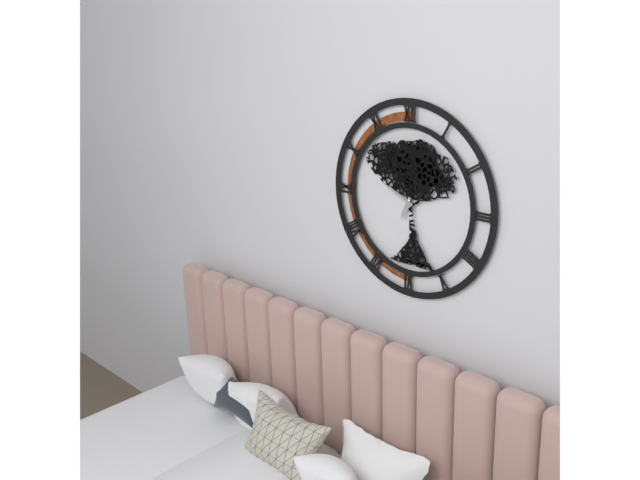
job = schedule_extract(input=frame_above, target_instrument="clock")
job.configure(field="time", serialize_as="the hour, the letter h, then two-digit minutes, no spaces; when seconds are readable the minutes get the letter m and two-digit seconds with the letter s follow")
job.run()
6h49
